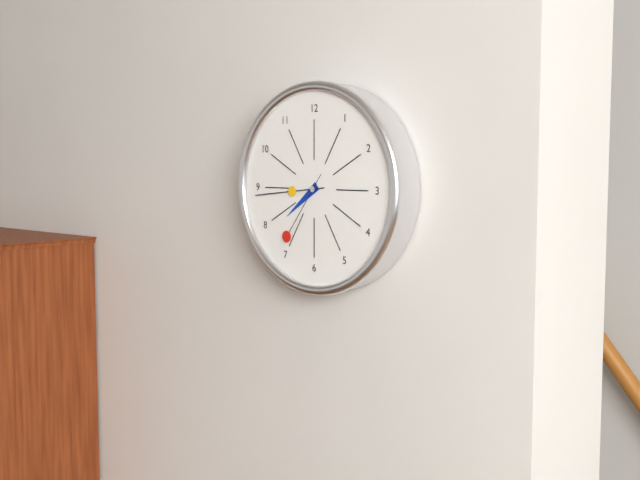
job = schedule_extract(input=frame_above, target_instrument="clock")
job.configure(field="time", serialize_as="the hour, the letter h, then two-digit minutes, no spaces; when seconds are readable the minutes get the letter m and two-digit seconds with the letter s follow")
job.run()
7h44m36s
